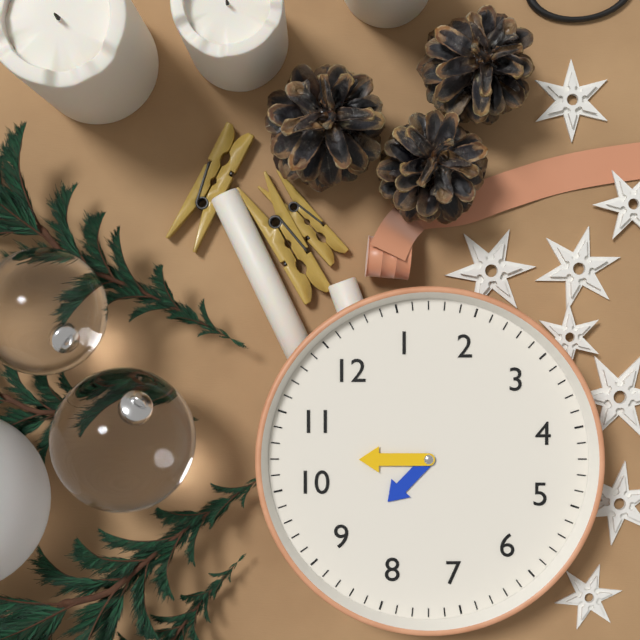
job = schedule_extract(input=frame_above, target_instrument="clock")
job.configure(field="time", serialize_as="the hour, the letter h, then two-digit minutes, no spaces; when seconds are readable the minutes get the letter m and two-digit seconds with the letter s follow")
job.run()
8h52
